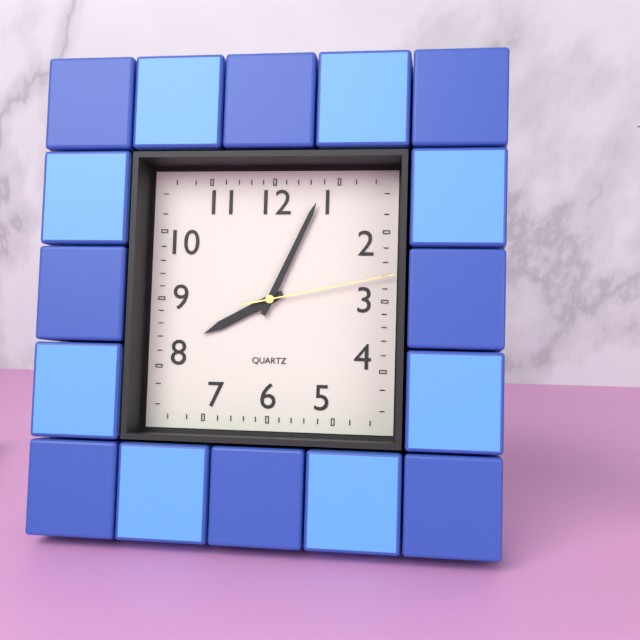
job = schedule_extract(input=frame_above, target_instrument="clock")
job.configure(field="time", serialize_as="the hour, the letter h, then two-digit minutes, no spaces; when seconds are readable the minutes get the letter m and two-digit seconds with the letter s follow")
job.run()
8h04m13s
